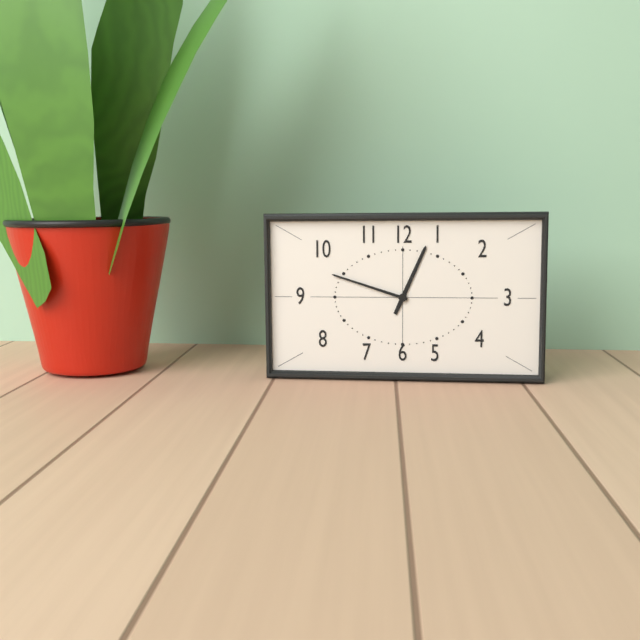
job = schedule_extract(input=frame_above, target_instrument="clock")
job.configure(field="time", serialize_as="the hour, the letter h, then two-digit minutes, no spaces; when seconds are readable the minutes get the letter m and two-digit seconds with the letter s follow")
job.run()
12h48
